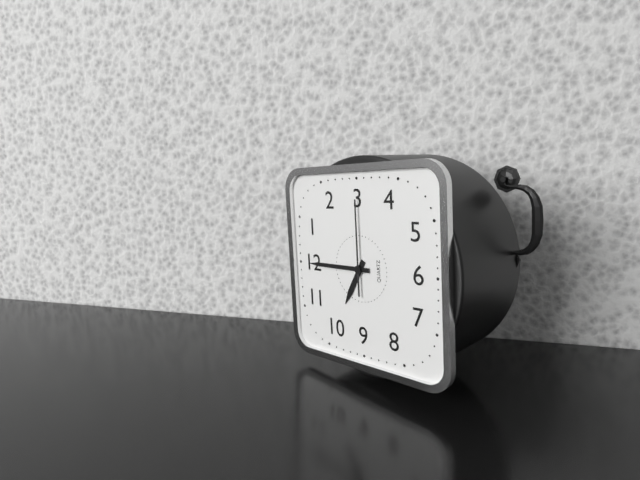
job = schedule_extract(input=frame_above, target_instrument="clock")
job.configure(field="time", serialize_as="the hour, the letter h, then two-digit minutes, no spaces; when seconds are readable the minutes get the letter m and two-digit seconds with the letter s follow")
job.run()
10h00m15s
